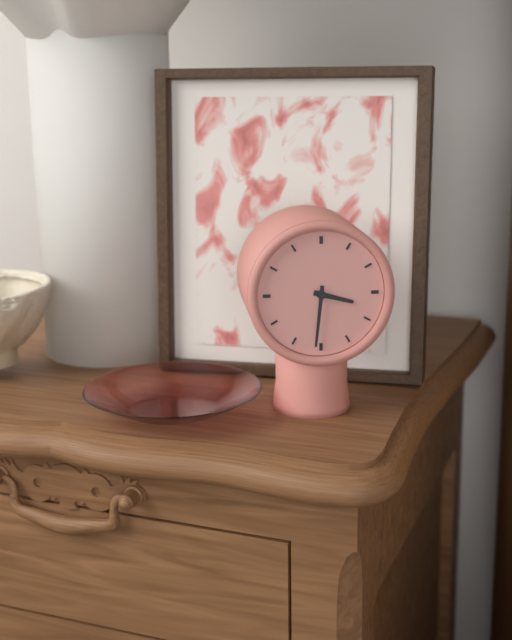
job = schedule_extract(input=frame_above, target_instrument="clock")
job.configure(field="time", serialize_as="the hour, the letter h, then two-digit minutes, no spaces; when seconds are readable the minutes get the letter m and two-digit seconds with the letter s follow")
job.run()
3h31
